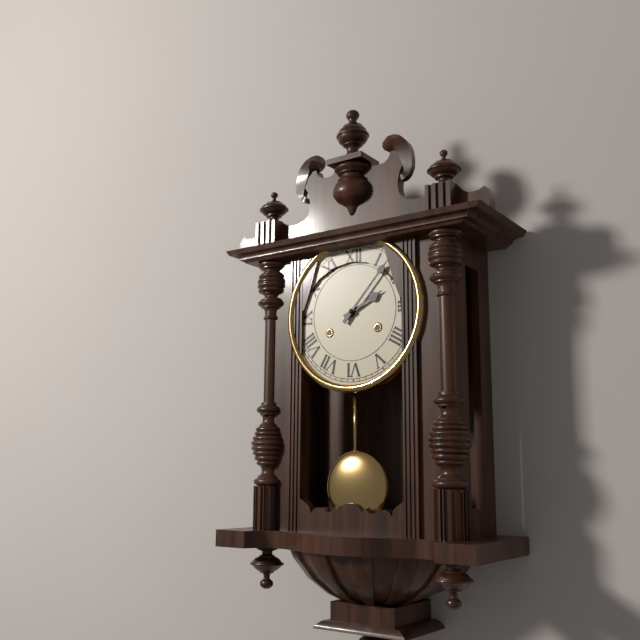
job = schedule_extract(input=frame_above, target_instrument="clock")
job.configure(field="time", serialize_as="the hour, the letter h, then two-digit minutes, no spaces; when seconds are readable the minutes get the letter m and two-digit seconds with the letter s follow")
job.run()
2h07
